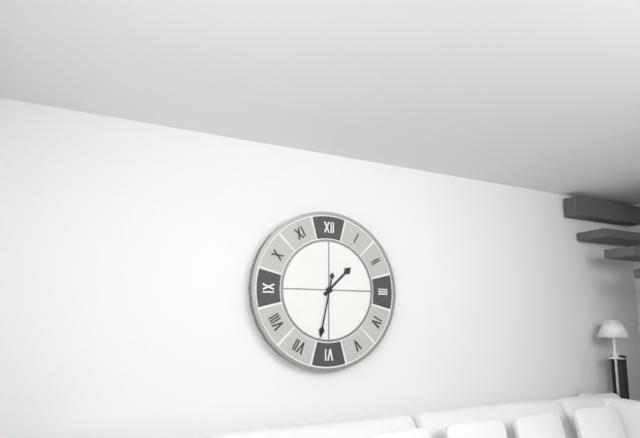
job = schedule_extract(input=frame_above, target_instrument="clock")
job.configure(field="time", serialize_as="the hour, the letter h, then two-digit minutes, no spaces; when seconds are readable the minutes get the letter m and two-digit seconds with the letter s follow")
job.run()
1h32
